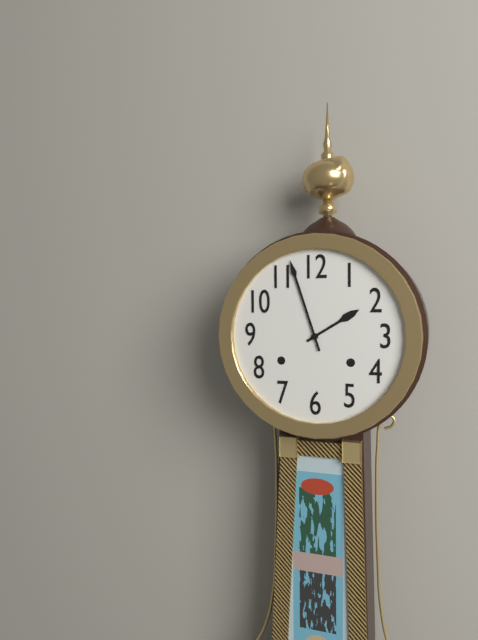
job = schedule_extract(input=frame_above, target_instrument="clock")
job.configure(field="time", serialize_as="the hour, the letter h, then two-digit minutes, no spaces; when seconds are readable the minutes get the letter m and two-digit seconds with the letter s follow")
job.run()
1h57
